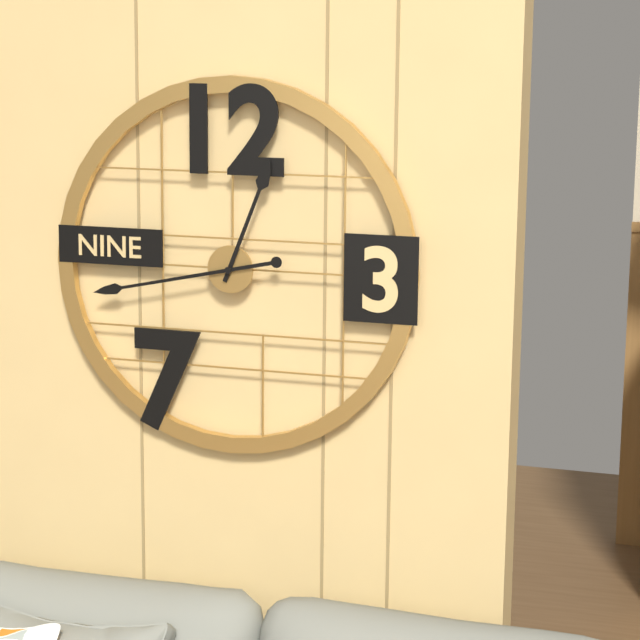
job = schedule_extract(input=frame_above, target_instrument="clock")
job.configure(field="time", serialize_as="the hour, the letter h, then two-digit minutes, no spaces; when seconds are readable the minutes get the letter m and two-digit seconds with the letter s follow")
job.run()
12h43
